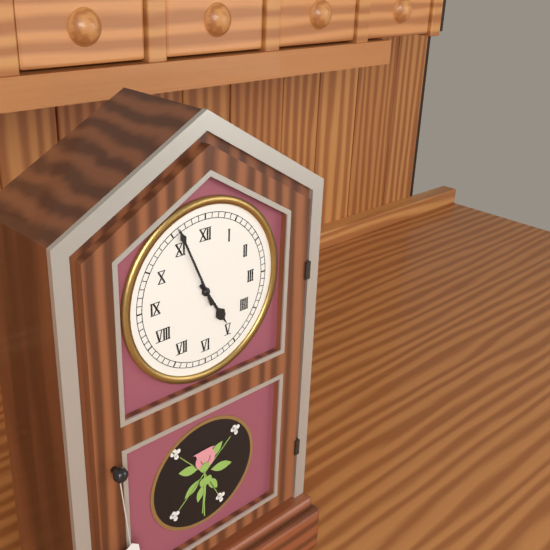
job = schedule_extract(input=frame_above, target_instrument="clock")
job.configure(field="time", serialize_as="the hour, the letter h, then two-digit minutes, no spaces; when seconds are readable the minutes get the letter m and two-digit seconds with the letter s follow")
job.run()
4h56
